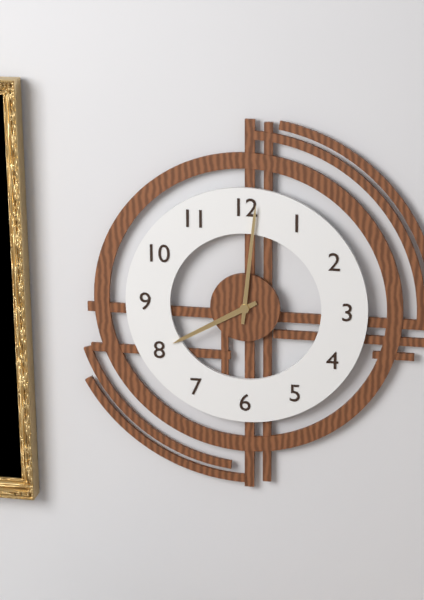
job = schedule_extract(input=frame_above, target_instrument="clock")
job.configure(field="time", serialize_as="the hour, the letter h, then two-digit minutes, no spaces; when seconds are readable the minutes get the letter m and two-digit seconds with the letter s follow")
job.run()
8h01
